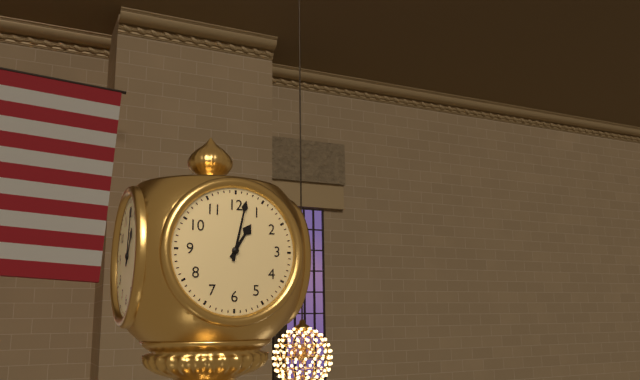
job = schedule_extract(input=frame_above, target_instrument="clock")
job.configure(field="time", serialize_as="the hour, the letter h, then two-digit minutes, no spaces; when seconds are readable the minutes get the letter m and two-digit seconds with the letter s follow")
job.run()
1h02
